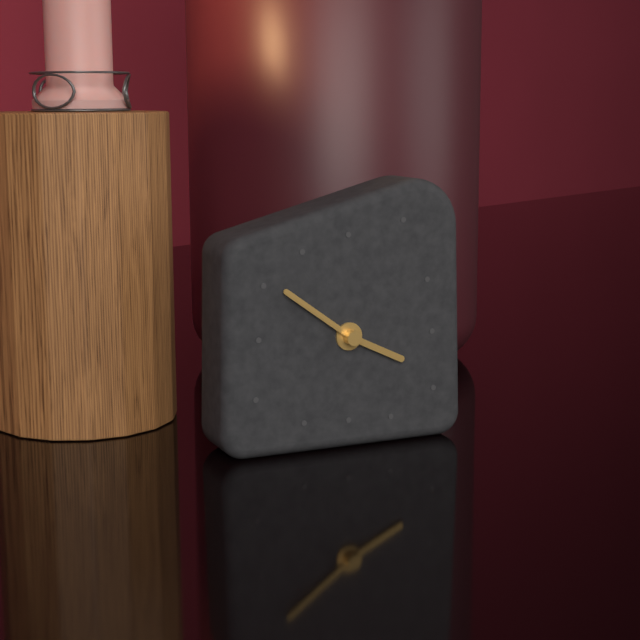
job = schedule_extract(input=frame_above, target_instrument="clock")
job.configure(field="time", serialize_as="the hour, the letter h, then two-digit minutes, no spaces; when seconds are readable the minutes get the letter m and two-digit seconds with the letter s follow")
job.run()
3h51
